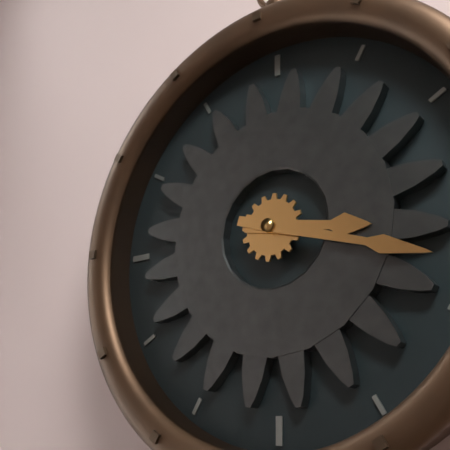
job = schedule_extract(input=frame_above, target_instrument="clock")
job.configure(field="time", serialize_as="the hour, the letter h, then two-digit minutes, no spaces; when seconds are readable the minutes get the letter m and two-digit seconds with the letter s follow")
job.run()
3h18
